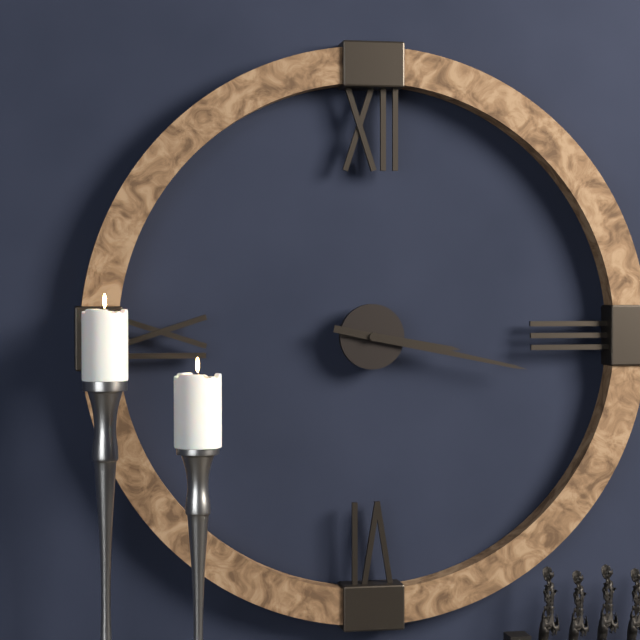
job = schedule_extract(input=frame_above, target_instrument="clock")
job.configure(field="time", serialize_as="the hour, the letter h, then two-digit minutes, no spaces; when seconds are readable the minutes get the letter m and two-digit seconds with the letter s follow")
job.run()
3h17
